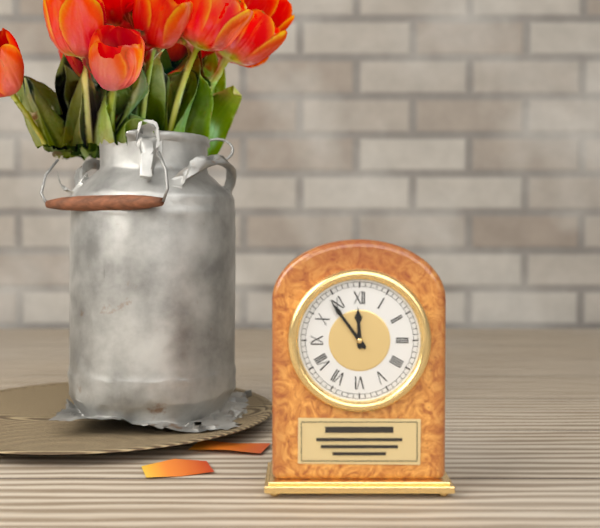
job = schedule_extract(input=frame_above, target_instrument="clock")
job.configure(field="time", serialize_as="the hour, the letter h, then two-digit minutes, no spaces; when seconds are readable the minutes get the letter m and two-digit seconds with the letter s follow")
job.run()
11h54
